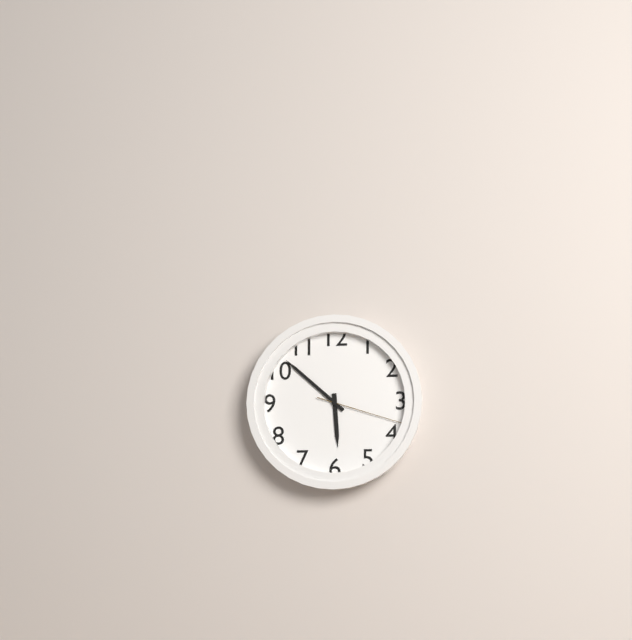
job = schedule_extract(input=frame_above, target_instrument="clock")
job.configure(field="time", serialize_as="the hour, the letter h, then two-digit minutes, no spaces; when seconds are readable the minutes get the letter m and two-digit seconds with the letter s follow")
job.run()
5h52m18s
